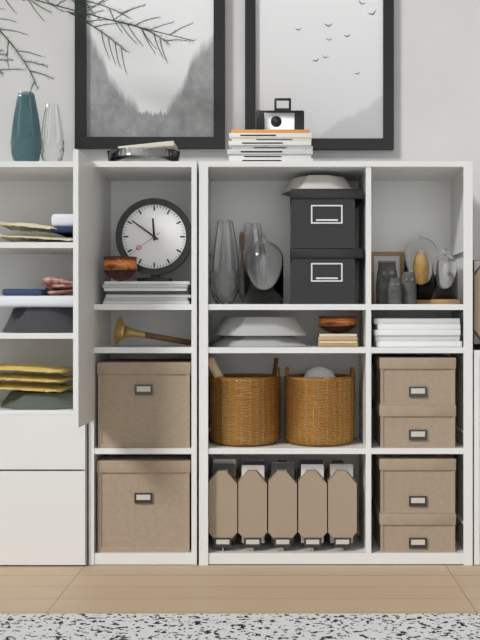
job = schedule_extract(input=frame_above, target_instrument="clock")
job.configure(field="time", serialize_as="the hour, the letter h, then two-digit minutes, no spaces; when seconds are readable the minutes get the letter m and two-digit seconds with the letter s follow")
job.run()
11h51
